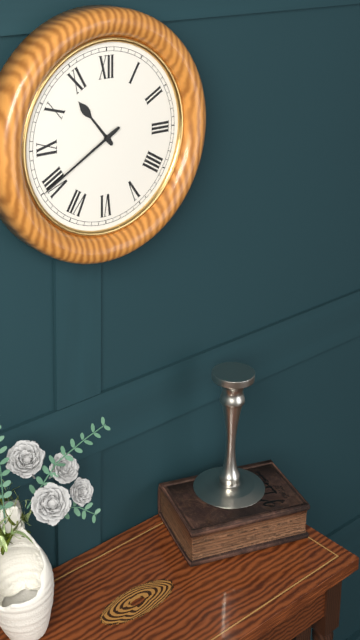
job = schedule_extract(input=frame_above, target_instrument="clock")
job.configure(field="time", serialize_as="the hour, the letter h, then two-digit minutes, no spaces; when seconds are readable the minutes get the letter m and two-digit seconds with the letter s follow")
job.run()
10h40
